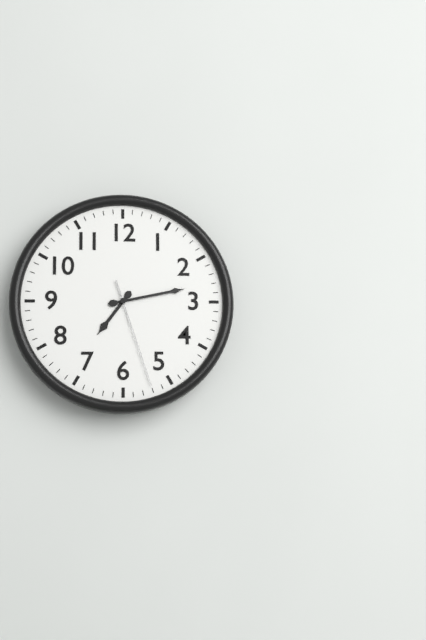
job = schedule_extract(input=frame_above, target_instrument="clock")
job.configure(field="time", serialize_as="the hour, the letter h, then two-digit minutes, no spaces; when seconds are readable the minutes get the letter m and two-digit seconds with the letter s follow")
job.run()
7h13m27s
